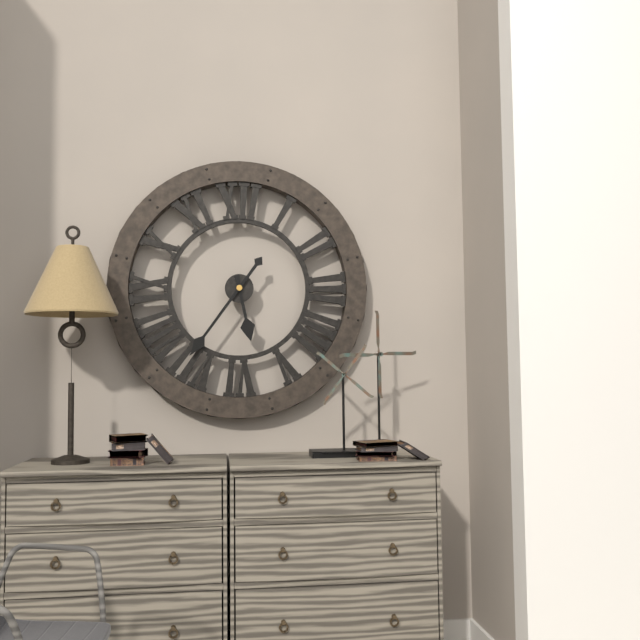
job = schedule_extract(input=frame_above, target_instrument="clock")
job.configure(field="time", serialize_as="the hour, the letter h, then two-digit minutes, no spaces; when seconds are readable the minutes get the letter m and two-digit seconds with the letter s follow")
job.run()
5h36
